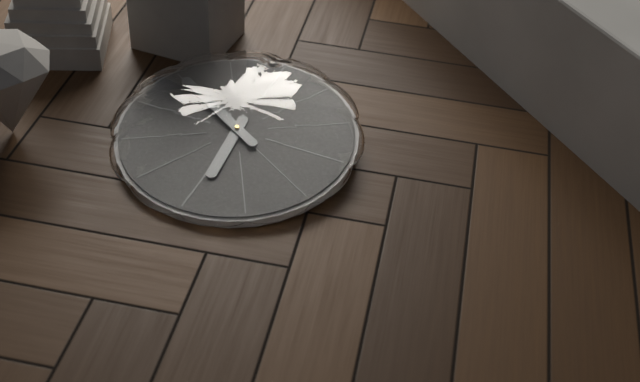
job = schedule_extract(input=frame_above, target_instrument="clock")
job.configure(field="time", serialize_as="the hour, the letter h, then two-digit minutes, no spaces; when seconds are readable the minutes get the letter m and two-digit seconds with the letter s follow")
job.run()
5h50
